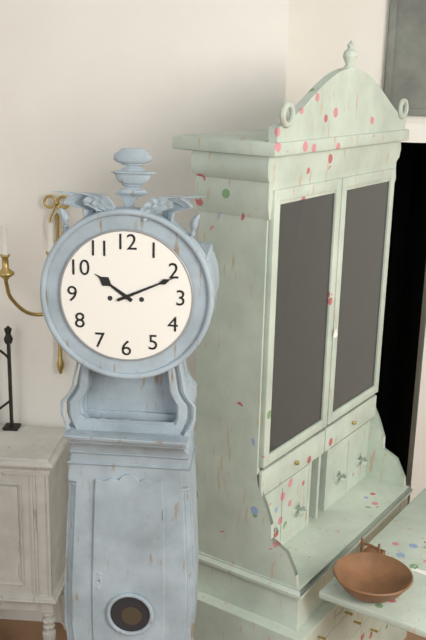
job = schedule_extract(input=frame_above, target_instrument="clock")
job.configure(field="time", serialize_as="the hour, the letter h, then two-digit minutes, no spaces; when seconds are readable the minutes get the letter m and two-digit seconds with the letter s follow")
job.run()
10h11
